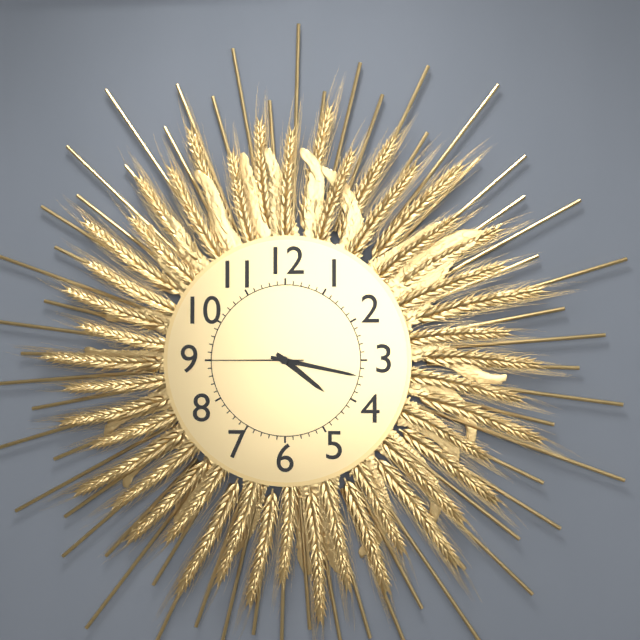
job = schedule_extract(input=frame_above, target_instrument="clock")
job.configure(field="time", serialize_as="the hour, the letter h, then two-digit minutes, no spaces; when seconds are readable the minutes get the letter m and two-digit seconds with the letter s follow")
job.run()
4h17m45s
